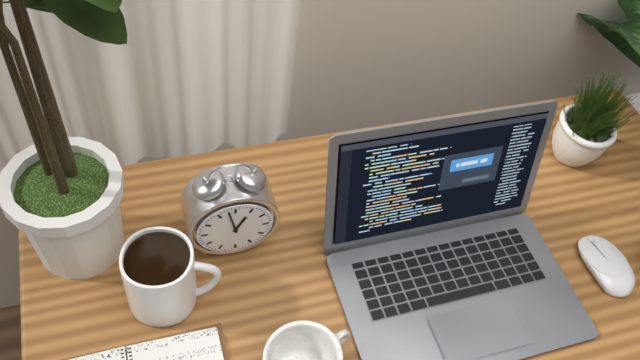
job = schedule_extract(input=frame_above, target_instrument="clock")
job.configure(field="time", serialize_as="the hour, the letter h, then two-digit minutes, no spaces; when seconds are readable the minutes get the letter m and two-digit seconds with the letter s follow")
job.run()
12h58
